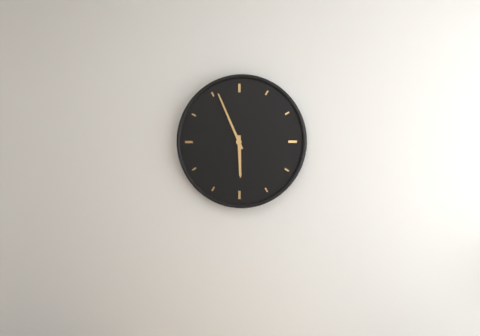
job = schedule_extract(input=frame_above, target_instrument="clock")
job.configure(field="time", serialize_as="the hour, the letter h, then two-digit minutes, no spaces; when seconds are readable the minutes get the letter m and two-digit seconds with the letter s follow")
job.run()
5h56
